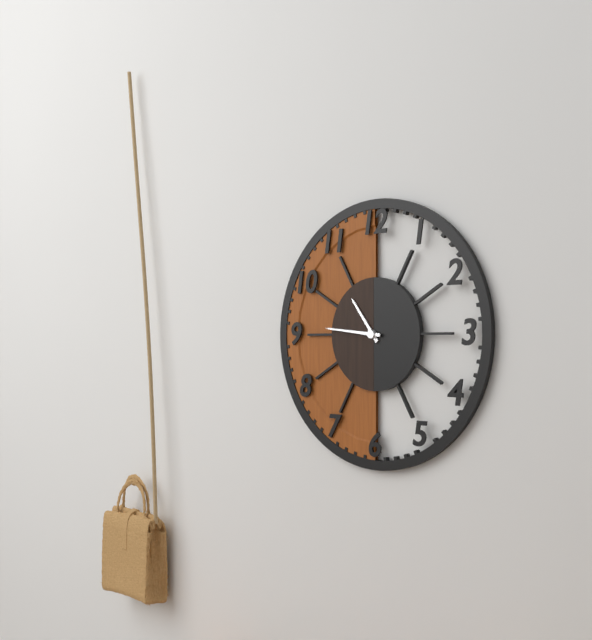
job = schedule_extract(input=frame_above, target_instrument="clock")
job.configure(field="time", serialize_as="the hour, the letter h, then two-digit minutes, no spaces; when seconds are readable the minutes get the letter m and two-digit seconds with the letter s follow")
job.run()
10h46
